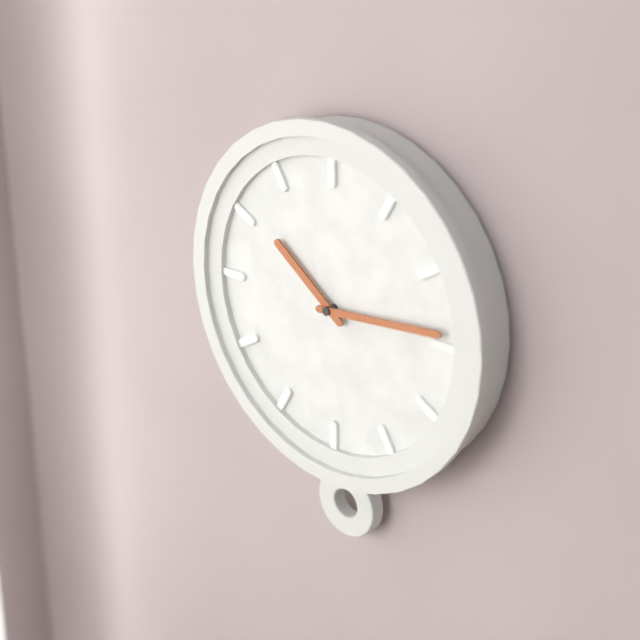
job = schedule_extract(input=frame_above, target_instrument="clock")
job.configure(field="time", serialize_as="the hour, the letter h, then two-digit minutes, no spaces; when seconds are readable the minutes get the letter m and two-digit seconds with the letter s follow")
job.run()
10h14
